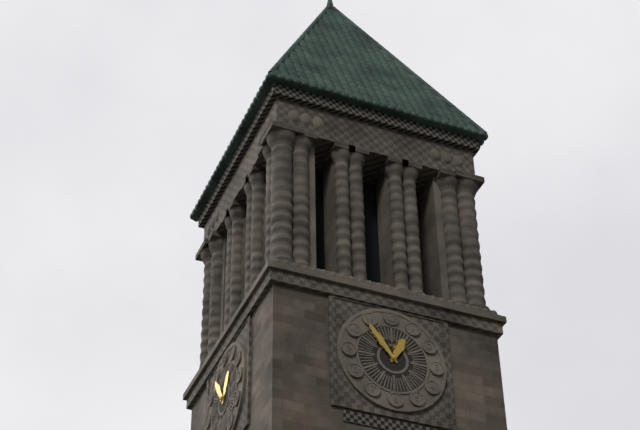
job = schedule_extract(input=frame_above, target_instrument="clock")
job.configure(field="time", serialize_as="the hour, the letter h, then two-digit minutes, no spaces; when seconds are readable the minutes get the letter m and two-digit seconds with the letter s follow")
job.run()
12h54
